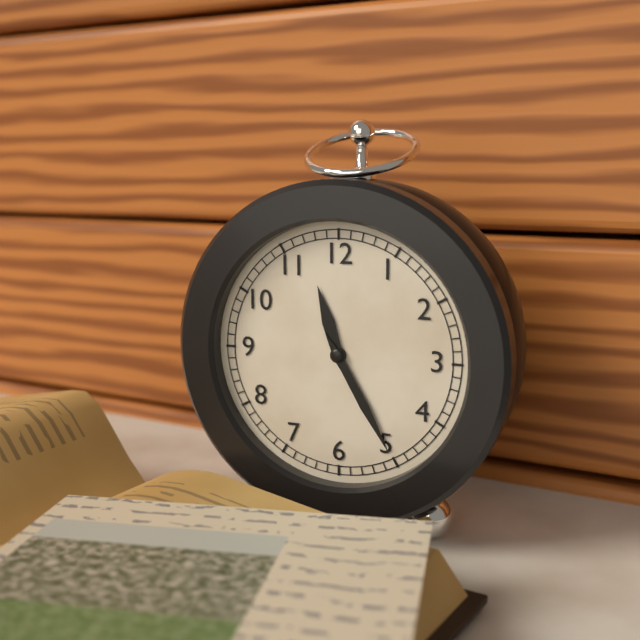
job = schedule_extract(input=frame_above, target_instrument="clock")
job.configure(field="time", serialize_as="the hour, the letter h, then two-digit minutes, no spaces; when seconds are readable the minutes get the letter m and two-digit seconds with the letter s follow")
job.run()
11h25
